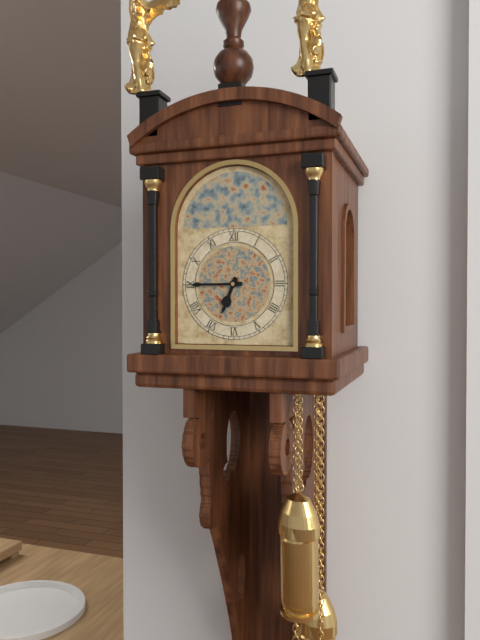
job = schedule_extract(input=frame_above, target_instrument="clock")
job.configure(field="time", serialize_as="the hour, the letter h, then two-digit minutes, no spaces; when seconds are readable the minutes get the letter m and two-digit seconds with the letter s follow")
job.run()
6h45
